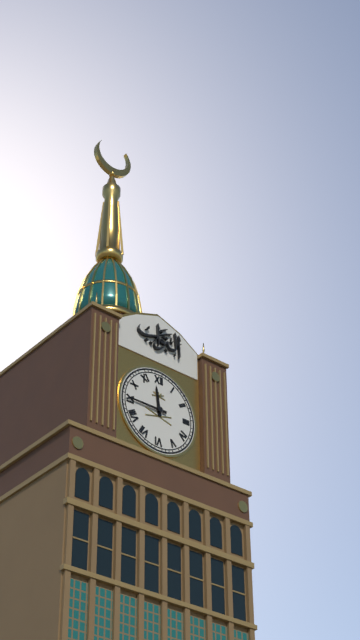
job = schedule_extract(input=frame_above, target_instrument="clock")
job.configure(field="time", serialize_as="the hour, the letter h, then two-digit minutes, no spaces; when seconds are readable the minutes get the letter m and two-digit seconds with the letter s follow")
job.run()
11h45
